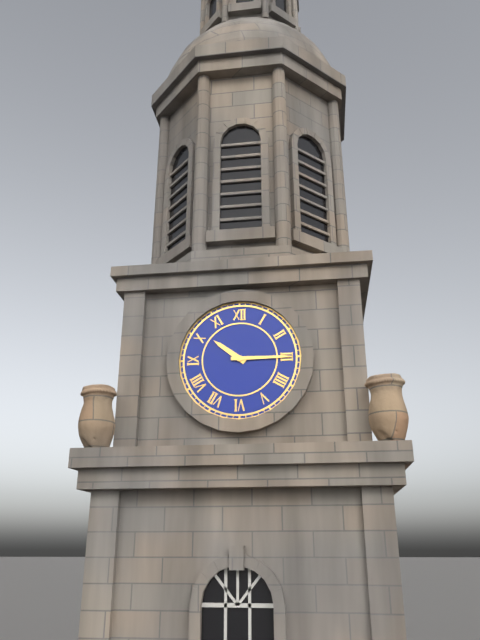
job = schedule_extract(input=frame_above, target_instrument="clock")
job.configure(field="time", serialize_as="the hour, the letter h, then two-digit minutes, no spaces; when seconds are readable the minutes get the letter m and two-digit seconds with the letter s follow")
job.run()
10h15
